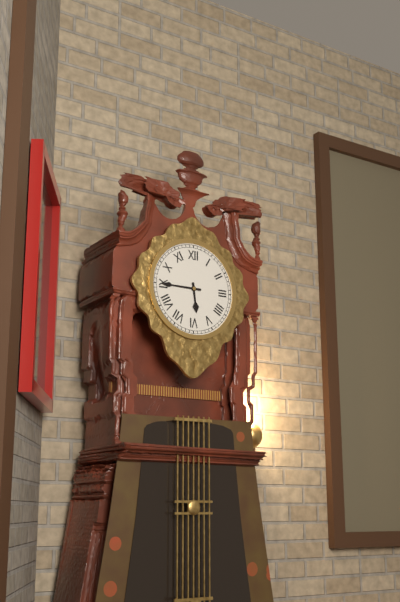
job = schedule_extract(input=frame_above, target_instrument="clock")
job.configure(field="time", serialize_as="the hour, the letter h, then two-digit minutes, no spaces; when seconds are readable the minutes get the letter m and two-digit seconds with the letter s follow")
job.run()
5h45
